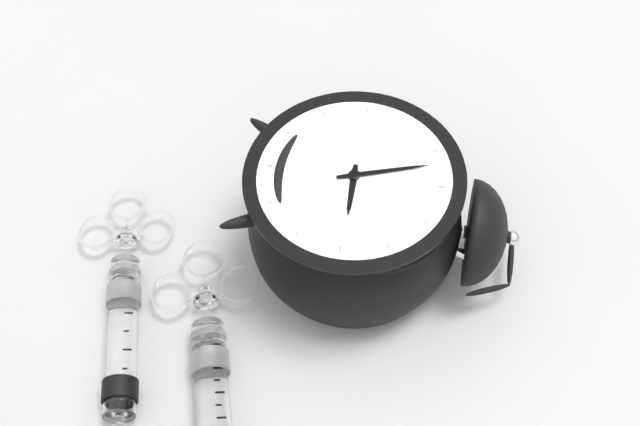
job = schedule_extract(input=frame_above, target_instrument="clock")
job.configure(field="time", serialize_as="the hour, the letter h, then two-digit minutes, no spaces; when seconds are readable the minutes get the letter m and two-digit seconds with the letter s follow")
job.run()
2h57
